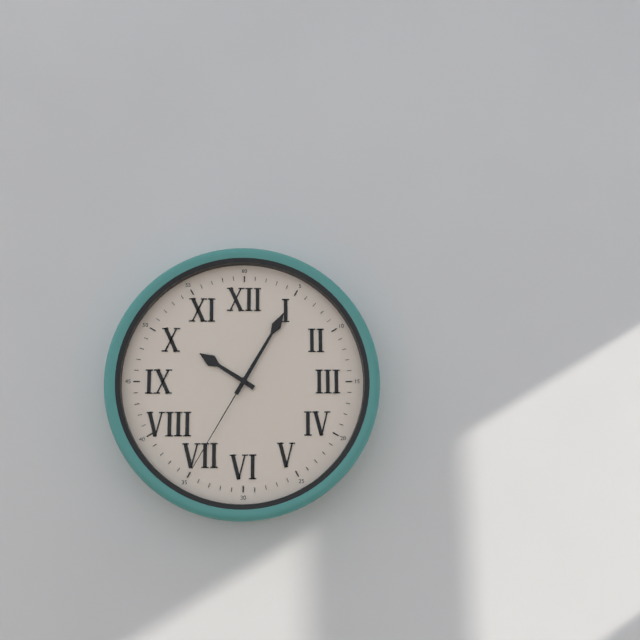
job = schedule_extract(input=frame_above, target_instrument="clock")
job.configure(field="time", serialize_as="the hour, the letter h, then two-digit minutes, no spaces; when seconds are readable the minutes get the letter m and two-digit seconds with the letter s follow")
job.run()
10h05m35s
